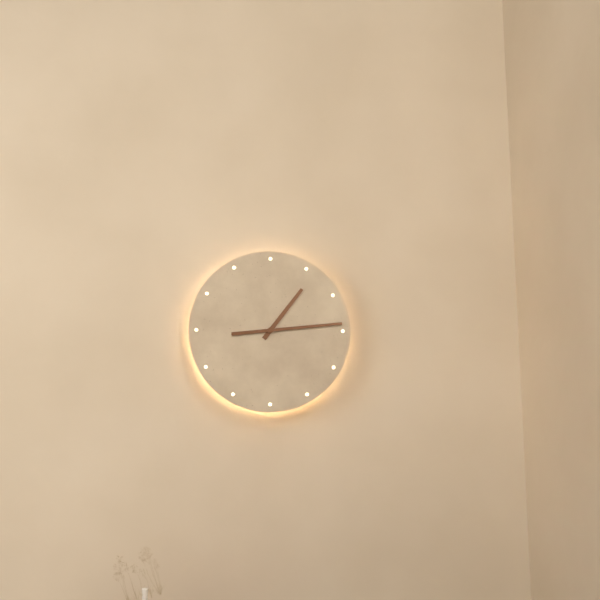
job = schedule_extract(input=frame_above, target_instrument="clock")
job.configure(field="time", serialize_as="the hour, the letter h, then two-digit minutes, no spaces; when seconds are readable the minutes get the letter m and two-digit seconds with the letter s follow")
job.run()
1h14
